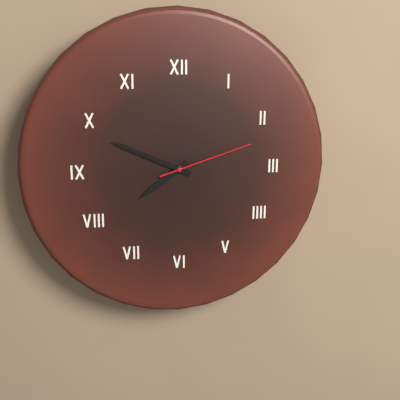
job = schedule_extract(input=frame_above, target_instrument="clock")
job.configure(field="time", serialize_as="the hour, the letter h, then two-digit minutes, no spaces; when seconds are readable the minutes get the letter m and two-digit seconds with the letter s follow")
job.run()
7h49m12s
